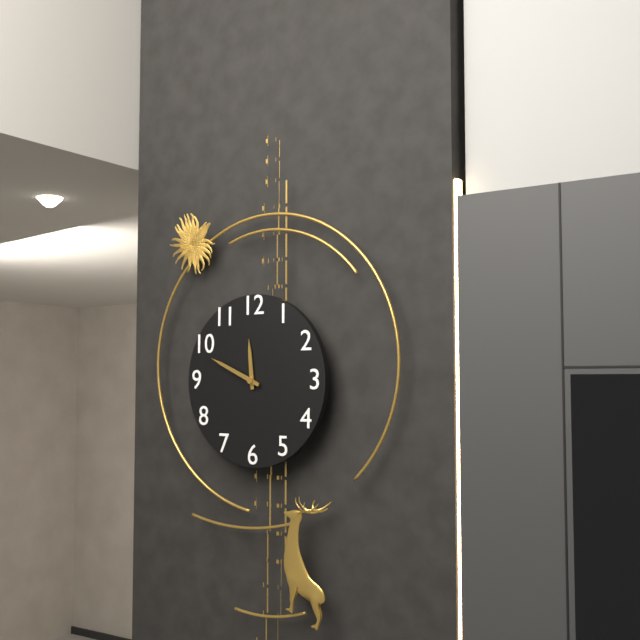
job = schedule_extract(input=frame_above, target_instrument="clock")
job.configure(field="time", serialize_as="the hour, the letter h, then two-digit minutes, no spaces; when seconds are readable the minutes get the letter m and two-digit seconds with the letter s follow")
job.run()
11h49
